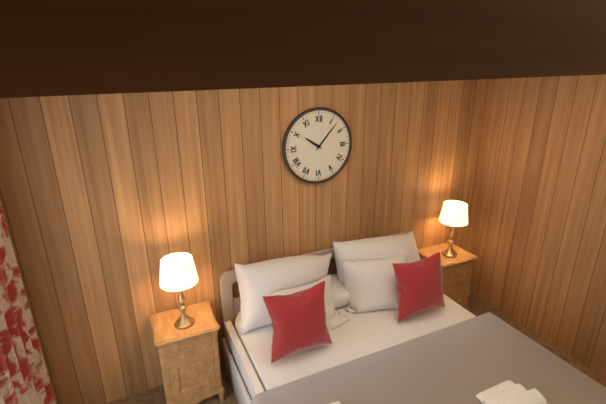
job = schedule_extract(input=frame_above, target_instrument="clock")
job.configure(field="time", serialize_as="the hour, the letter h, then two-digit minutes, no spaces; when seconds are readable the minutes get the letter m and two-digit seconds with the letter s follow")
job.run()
10h07
